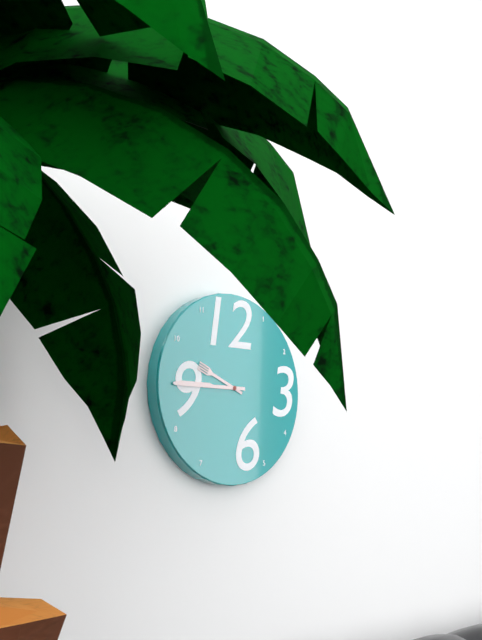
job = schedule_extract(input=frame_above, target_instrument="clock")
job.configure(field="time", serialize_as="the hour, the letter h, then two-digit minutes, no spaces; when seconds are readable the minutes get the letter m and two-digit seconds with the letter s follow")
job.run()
9h45
